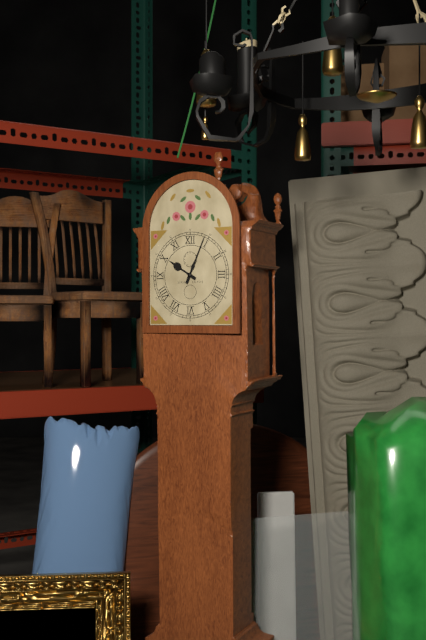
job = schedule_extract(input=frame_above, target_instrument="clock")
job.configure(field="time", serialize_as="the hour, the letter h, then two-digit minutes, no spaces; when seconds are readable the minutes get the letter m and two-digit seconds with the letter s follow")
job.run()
10h04
